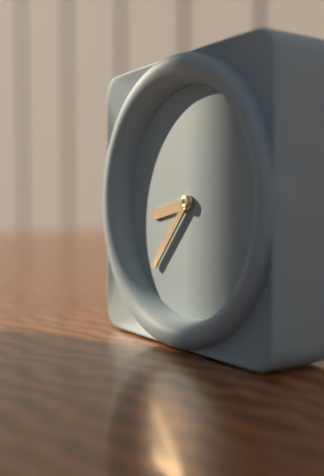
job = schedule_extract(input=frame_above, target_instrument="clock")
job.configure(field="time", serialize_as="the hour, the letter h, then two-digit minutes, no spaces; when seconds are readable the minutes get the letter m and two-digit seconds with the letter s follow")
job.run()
8h37
